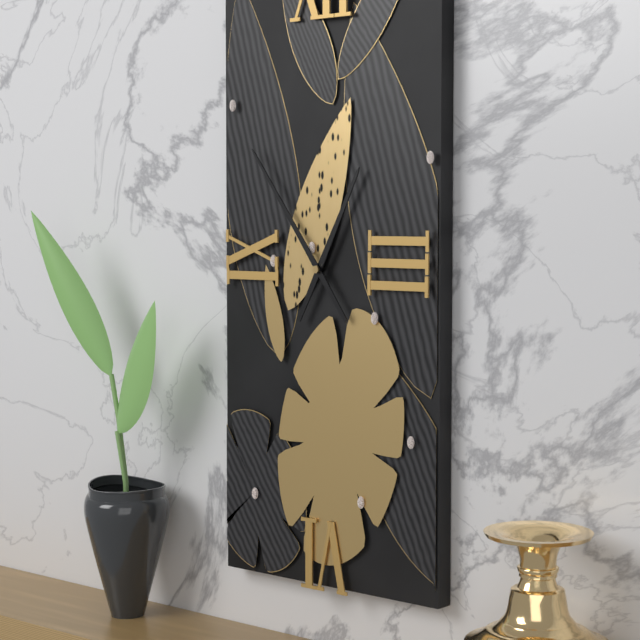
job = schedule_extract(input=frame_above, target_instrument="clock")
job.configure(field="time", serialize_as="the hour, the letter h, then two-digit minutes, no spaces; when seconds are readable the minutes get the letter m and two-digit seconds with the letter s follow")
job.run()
12h54
